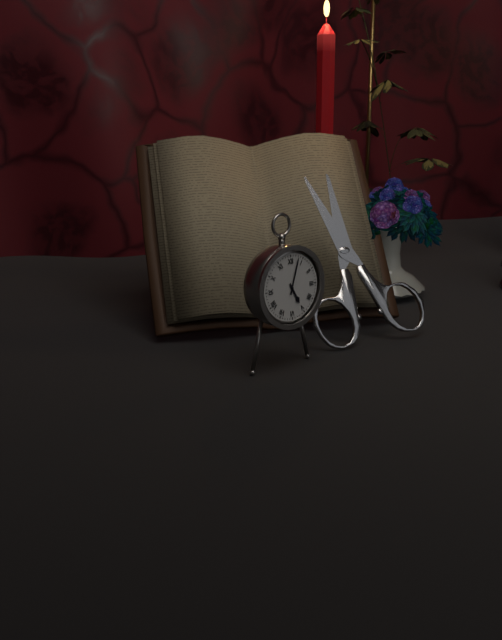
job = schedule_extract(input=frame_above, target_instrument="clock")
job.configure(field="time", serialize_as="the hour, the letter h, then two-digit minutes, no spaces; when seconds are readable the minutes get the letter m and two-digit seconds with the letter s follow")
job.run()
5h03
